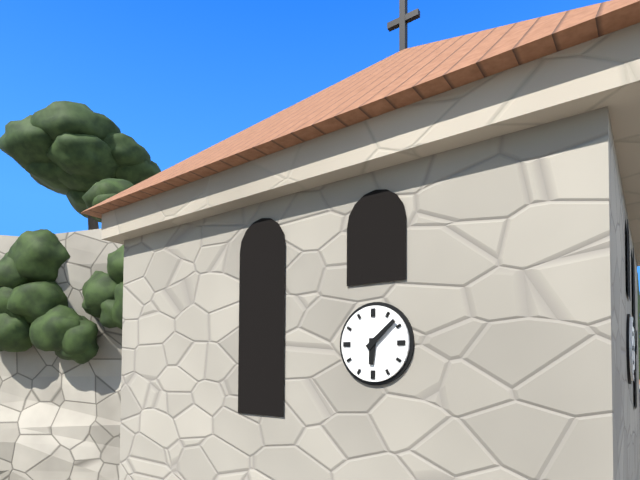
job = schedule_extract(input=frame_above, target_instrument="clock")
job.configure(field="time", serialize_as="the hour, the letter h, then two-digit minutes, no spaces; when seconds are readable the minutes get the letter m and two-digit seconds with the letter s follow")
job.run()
6h08
